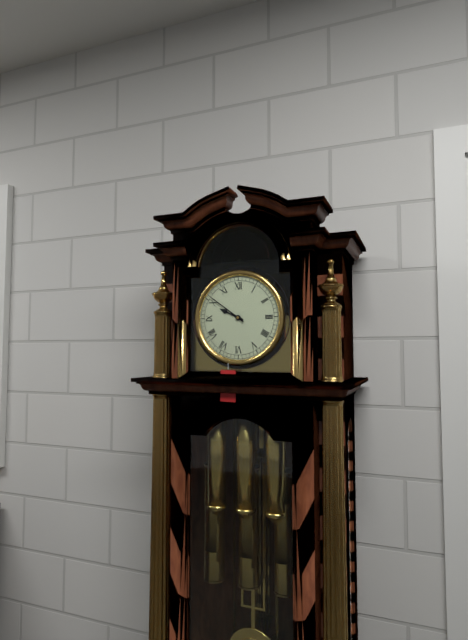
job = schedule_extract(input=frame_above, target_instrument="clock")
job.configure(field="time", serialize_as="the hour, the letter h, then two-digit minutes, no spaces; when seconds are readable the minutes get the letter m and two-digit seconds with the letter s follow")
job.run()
9h51
